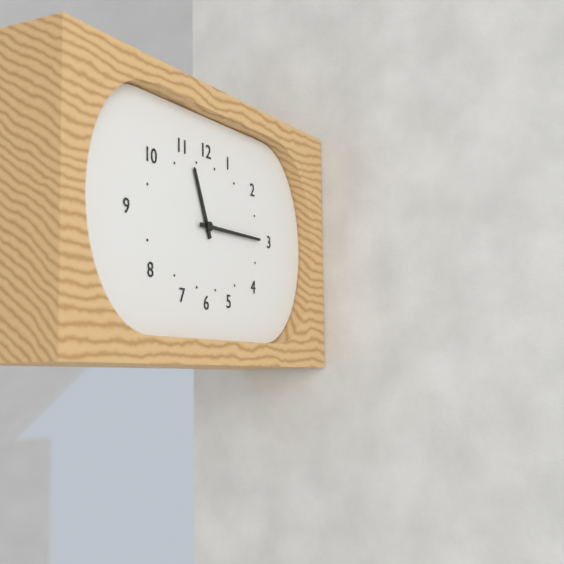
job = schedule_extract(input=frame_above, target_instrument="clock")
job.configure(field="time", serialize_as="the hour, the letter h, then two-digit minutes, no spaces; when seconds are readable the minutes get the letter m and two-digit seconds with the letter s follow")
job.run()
11h15
